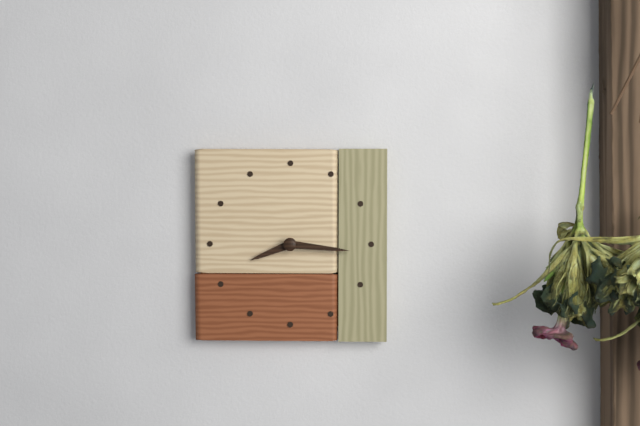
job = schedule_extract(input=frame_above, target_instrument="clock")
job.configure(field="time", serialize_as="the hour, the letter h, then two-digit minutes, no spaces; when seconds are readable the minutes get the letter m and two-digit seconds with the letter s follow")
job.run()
8h16
